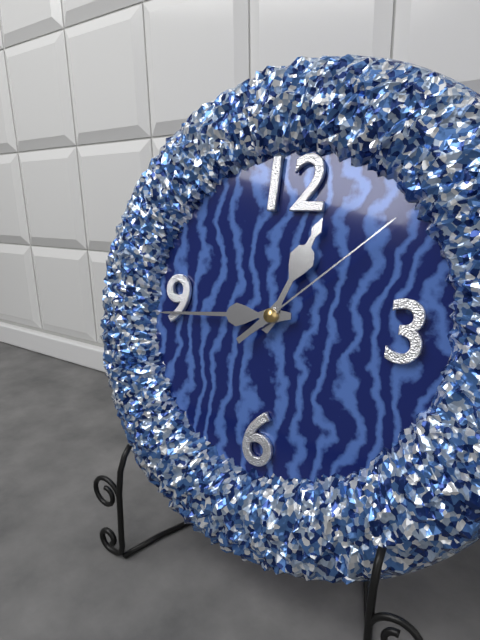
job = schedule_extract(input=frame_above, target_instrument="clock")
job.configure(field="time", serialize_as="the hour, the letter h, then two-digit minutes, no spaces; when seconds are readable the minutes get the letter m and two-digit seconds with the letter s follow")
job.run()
12h44m08s
